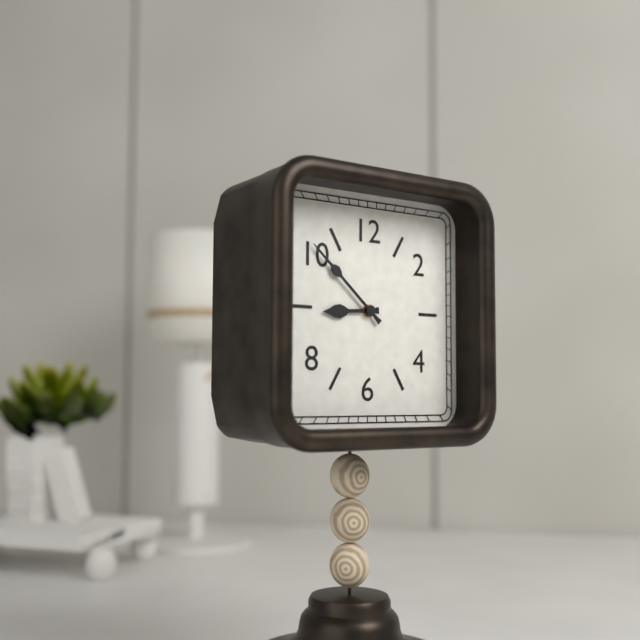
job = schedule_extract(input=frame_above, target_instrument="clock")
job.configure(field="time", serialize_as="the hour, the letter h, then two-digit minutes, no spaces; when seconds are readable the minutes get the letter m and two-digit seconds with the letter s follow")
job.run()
8h52
